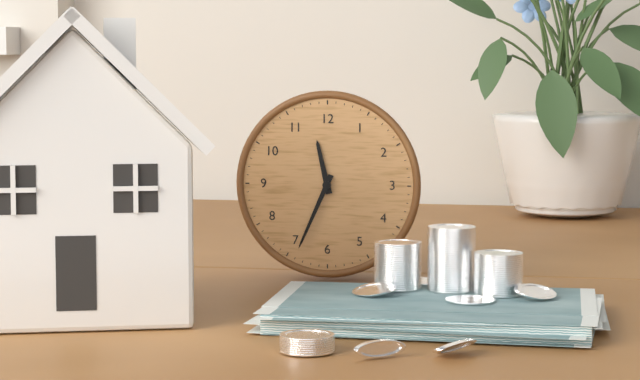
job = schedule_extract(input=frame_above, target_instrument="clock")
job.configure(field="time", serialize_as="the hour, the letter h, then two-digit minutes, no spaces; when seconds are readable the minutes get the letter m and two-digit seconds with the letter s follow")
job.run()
11h34
